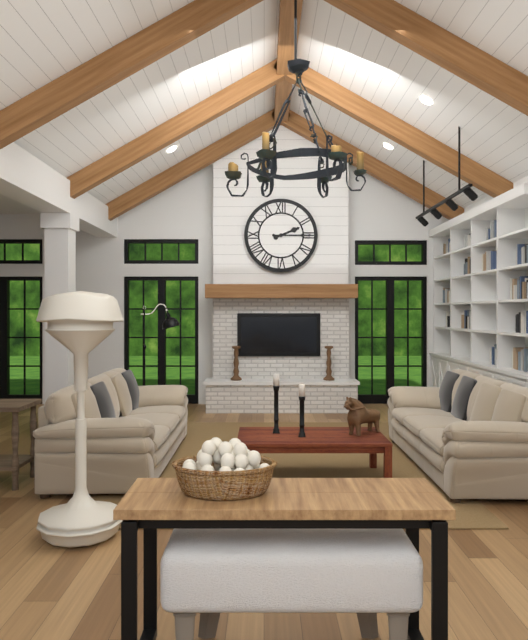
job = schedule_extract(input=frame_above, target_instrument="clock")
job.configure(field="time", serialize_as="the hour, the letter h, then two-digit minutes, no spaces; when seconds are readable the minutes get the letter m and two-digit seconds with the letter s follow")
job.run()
2h15
